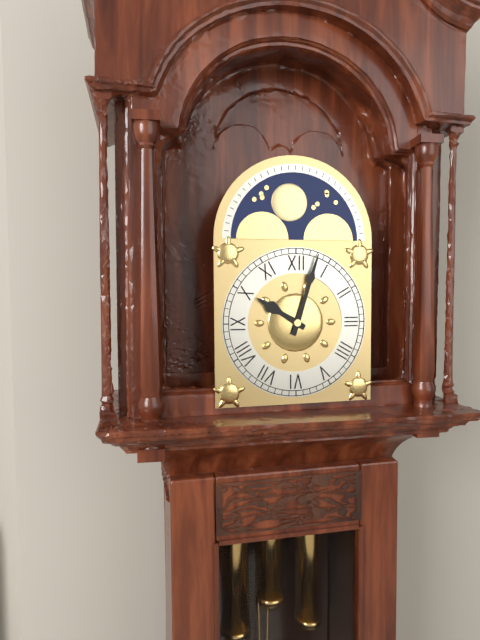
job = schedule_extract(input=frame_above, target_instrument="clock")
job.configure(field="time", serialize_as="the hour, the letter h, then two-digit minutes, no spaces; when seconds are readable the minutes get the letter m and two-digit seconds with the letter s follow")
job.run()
10h03
